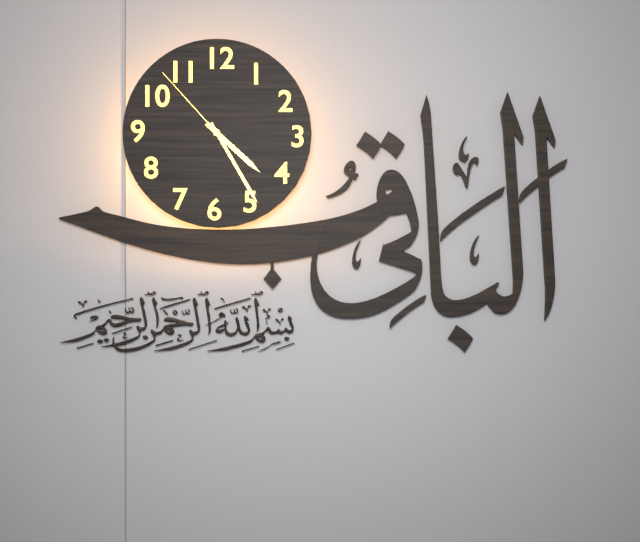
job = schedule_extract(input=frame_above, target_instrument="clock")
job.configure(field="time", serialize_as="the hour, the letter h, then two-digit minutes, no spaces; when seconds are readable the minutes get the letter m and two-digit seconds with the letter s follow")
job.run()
4h25m53s
